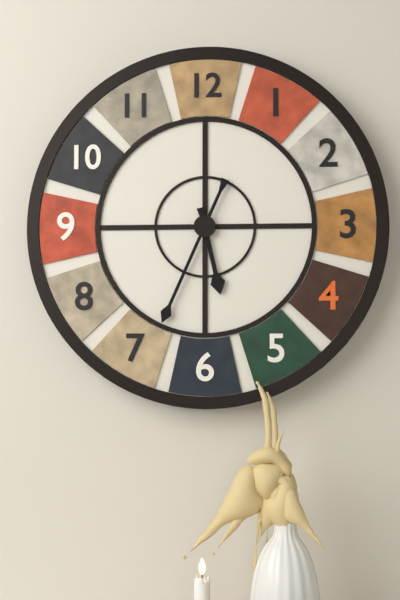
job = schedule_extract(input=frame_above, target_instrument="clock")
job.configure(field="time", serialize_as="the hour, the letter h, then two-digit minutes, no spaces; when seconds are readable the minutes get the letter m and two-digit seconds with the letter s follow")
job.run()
5h34
